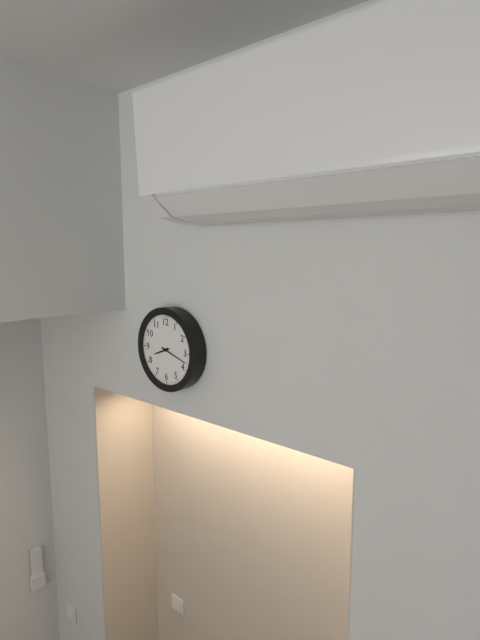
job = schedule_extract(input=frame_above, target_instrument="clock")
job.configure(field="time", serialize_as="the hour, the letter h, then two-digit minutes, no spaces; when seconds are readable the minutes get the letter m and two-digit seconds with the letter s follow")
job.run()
8h18
